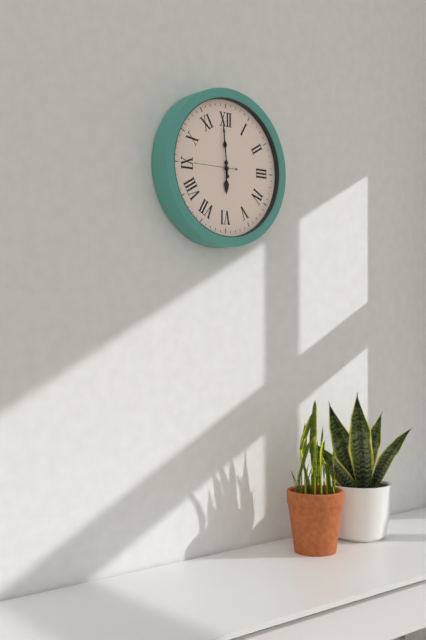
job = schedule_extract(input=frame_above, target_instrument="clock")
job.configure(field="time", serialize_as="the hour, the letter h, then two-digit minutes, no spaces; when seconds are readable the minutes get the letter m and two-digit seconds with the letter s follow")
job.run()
5h59
